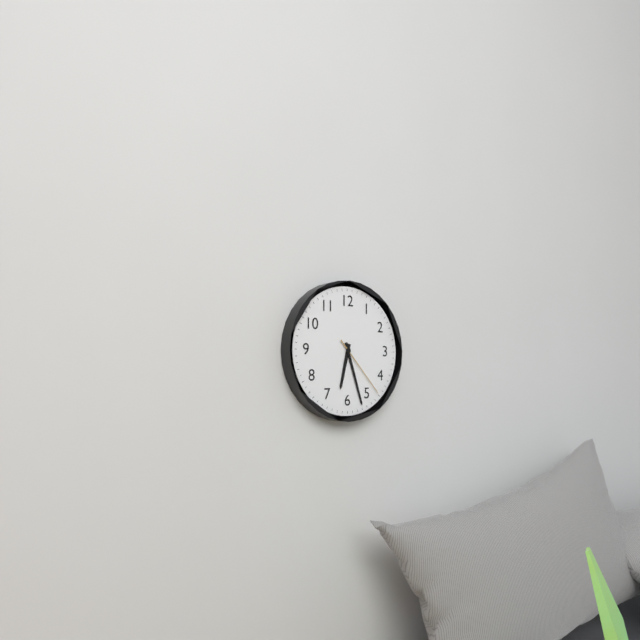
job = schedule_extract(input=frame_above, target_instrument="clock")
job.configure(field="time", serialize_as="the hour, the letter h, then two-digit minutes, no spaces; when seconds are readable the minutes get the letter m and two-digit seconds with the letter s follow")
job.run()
6h27m23s
